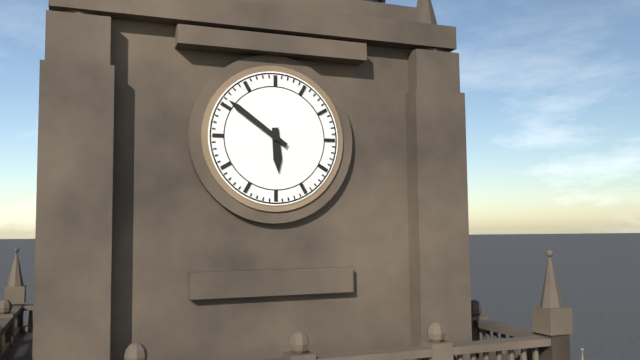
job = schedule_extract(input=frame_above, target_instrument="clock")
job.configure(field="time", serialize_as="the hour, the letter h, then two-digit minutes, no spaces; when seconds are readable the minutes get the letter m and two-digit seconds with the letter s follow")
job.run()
5h51
